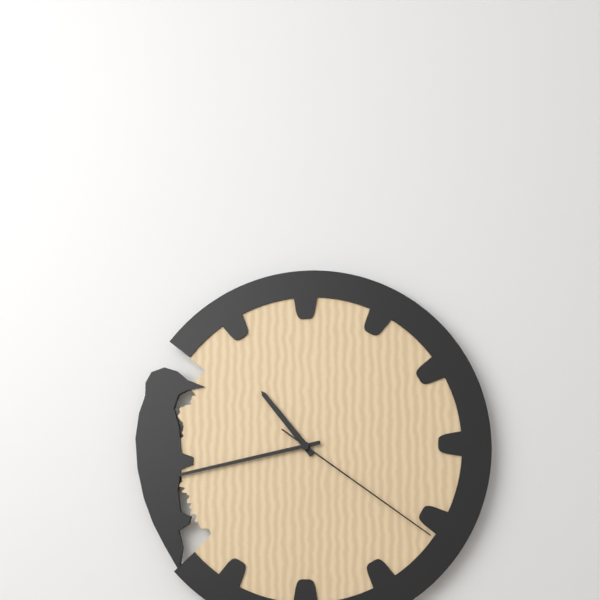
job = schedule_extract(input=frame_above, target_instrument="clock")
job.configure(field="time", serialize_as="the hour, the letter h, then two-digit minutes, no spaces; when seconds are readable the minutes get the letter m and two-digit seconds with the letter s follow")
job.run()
10h43m21s
